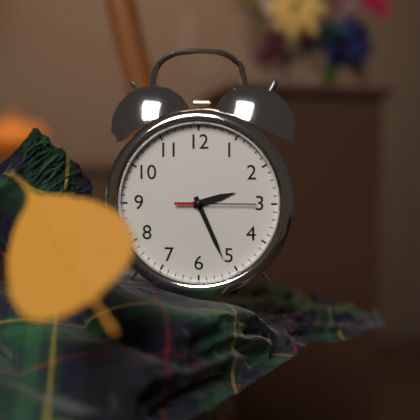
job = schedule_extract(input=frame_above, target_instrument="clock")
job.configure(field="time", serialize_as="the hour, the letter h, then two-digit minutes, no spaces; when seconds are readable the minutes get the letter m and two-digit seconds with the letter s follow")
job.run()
2h26m15s
